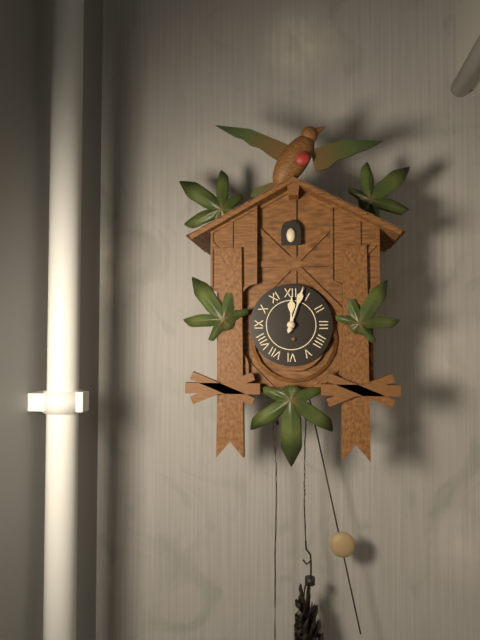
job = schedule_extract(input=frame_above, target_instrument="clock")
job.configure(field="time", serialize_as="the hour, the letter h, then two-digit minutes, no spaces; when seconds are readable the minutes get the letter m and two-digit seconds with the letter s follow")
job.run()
12h03
